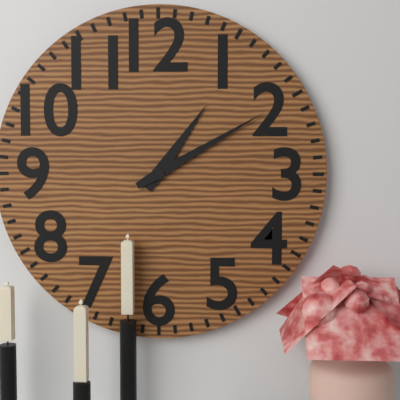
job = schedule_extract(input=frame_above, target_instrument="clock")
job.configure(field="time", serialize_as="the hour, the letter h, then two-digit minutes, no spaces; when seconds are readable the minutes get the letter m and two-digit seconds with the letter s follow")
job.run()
1h10
